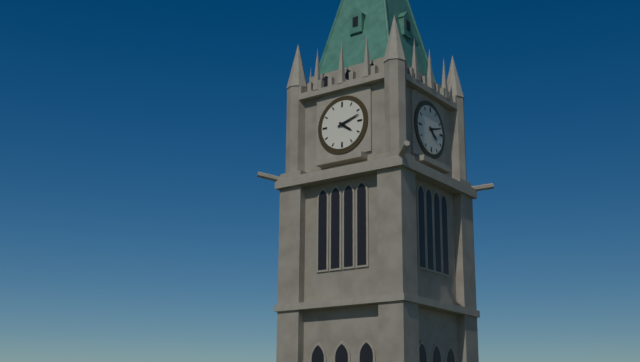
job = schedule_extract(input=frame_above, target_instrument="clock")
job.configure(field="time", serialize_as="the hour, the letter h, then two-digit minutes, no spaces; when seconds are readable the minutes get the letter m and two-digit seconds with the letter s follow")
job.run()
4h12
